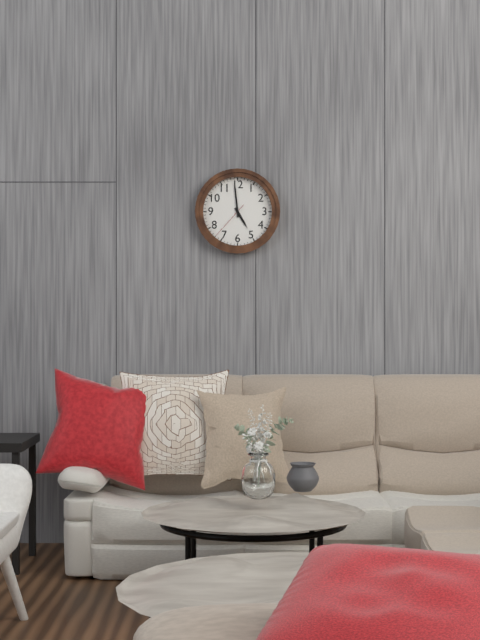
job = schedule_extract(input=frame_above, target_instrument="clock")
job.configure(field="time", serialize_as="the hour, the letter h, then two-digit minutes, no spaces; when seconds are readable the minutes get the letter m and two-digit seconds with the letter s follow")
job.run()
4h59
